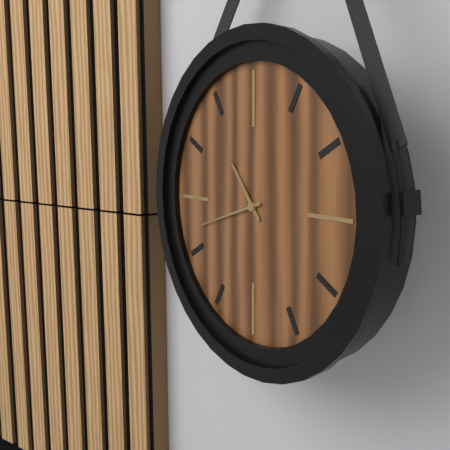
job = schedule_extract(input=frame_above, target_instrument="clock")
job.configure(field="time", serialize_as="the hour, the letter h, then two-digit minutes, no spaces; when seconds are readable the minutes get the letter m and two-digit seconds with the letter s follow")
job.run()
10h42
